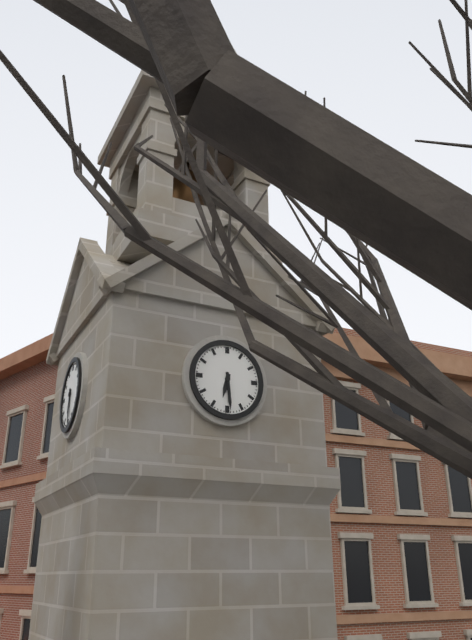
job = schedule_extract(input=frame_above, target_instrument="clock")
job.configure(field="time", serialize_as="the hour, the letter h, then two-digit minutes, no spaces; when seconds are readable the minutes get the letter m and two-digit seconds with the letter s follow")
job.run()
6h29
